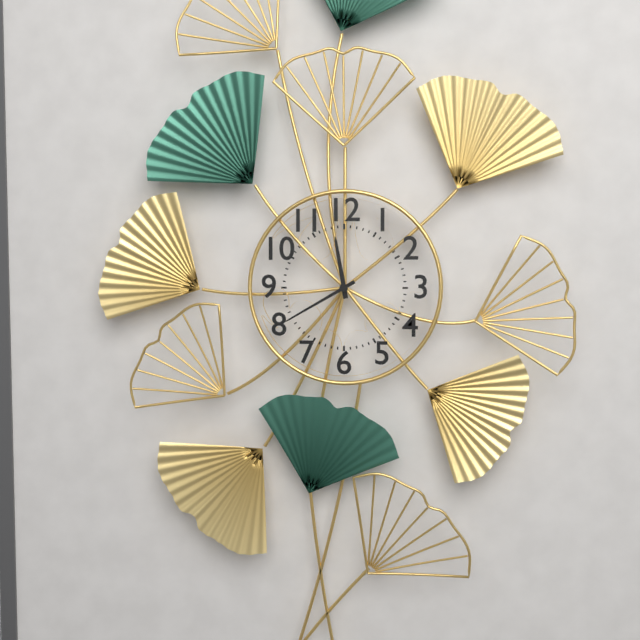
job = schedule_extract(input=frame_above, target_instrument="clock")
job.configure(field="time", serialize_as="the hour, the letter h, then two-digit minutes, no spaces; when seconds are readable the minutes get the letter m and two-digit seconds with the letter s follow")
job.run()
11h40
